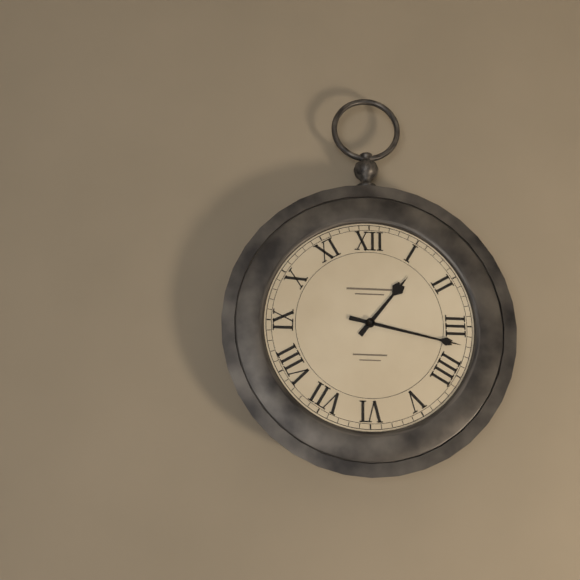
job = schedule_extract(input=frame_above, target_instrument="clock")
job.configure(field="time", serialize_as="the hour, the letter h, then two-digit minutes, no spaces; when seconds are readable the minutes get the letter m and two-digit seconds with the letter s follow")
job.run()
1h17
